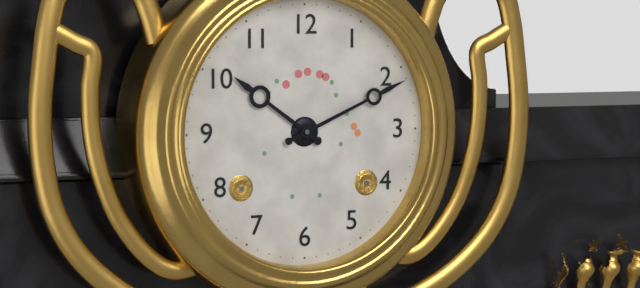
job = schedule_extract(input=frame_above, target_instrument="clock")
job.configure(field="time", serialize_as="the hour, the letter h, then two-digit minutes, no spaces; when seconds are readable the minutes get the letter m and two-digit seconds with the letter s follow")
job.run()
10h11
